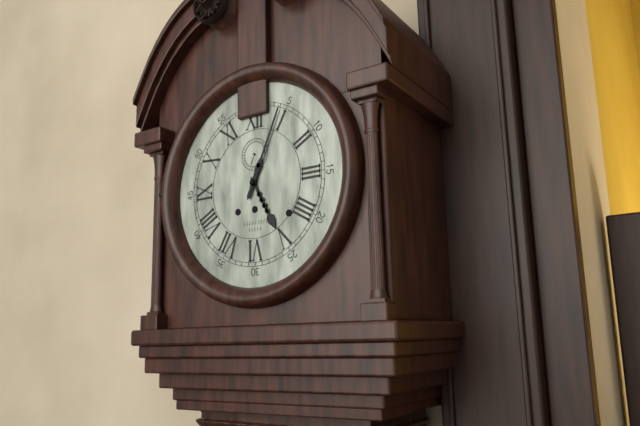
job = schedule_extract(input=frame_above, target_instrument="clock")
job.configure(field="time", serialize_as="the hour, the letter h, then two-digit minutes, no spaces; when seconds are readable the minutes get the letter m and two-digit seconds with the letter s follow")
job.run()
5h04
